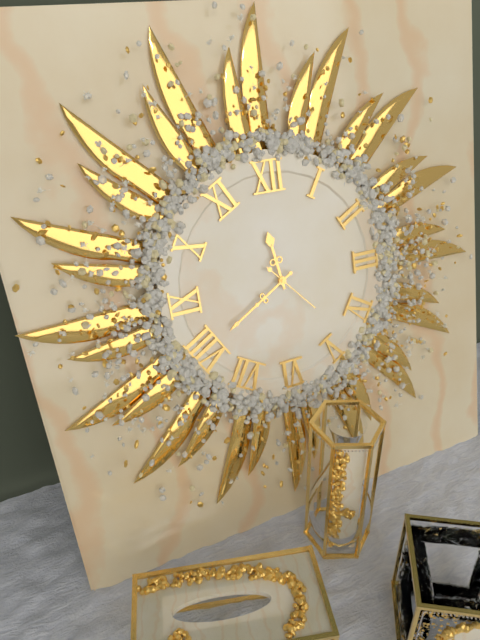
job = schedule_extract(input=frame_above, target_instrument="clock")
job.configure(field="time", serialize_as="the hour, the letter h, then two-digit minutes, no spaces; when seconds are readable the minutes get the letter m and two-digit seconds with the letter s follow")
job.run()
11h40m23s
